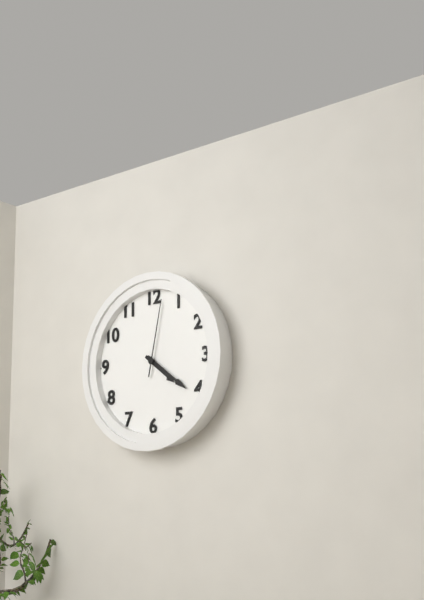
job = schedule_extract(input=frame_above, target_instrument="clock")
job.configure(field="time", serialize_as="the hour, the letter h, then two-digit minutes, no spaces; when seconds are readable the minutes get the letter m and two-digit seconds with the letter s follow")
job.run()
4h21m02s
